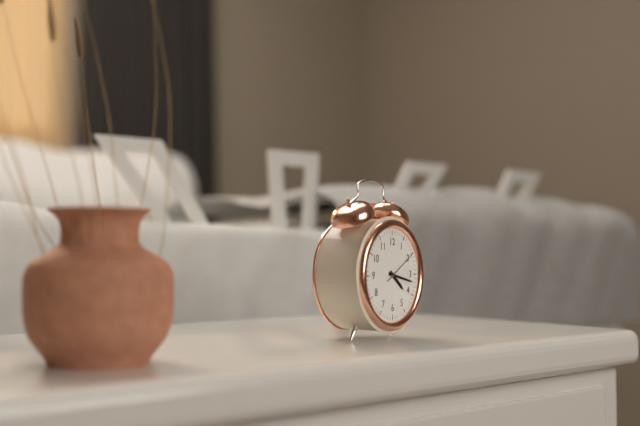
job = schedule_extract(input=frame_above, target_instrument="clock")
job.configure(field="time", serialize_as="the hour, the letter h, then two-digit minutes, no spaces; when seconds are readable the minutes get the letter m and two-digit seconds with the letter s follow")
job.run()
4h17
